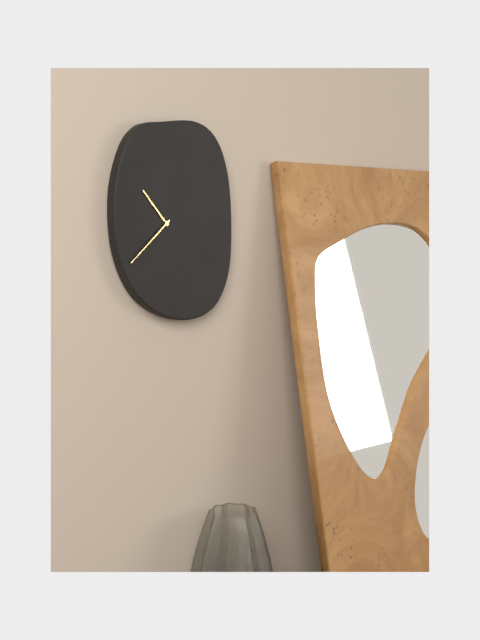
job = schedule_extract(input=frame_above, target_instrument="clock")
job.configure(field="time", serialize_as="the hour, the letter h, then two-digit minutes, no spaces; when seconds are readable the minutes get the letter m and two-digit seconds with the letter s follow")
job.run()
10h38
